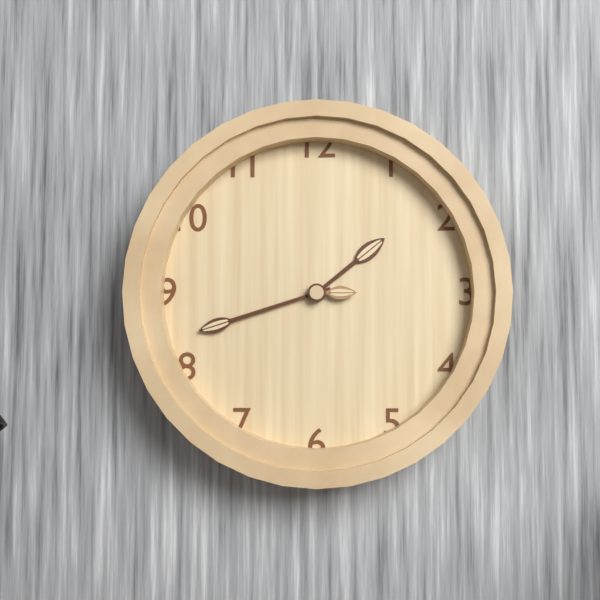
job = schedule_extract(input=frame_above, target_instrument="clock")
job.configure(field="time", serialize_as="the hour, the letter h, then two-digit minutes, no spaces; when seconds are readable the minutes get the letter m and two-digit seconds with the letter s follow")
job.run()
1h42m15s
